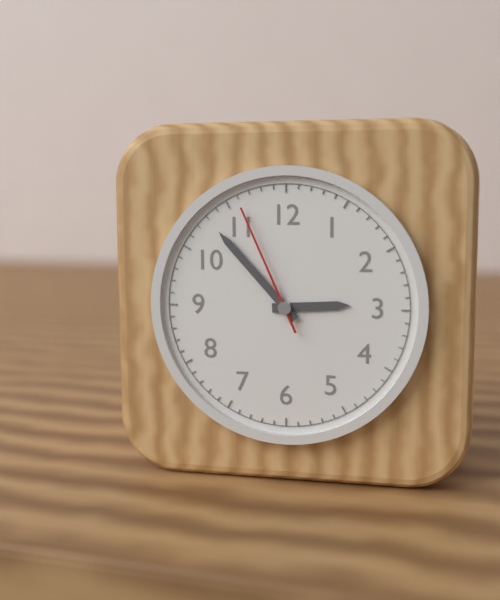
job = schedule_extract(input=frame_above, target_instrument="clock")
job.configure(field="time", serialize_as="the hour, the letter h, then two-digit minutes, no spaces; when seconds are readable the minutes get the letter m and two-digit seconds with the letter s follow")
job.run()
2h53m56s
